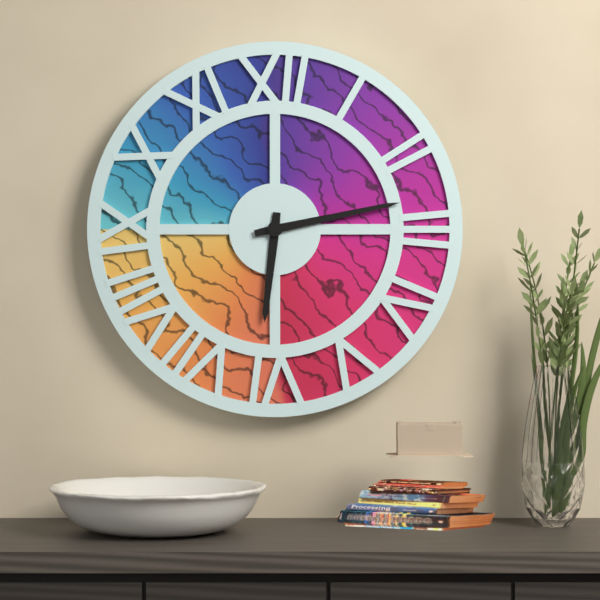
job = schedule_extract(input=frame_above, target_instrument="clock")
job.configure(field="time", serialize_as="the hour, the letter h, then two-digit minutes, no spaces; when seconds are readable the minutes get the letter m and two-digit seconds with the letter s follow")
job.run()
6h13
